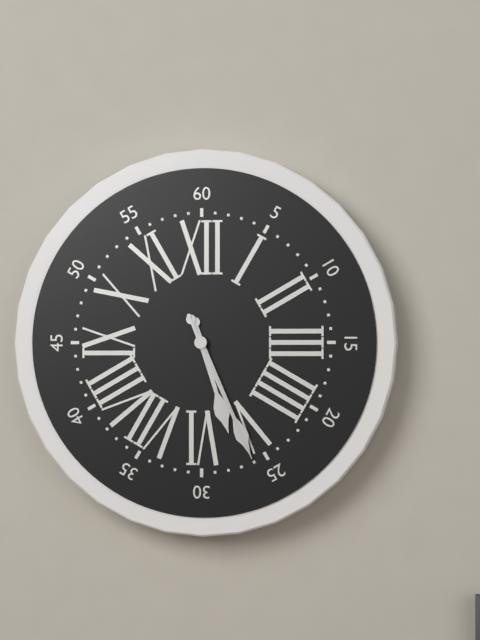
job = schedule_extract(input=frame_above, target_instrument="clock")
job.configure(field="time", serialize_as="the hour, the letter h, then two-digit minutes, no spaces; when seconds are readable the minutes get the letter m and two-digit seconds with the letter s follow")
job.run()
5h26m26s
